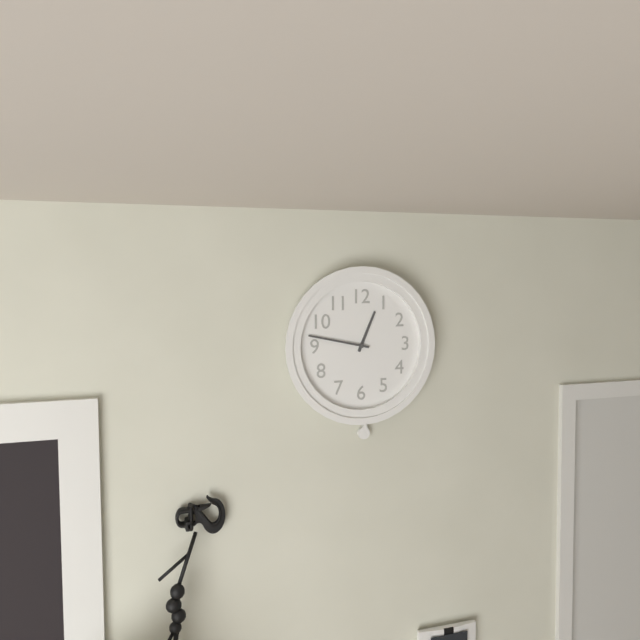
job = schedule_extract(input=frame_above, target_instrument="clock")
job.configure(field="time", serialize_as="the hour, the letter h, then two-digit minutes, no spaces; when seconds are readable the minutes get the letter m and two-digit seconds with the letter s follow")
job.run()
12h47
